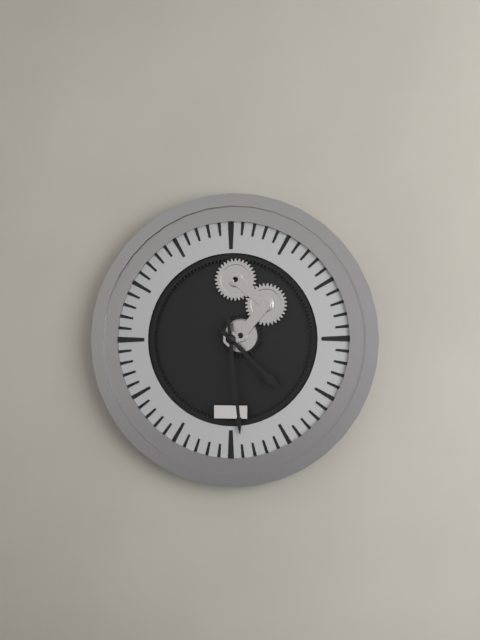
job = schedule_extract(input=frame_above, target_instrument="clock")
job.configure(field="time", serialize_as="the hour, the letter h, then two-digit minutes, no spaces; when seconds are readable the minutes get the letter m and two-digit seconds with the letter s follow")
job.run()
4h29
